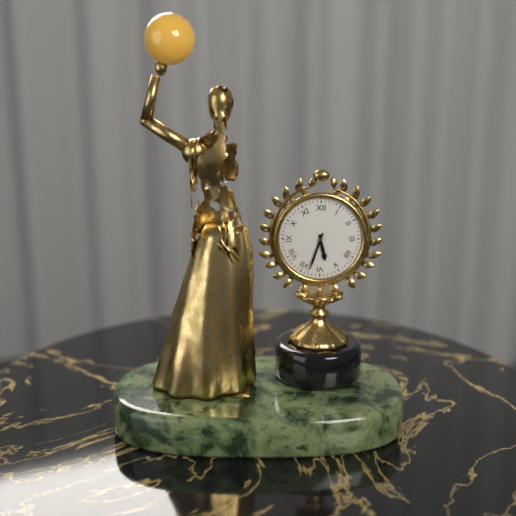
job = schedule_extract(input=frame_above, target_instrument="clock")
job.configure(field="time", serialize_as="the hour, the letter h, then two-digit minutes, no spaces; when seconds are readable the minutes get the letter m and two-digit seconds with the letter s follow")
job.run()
5h33
